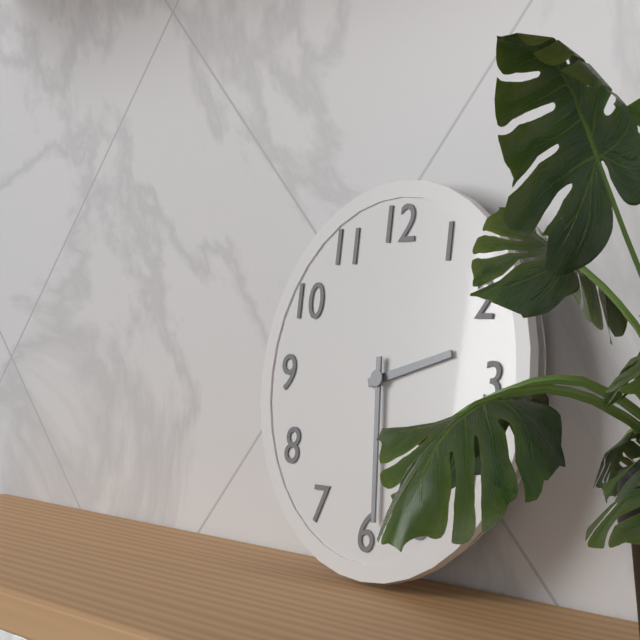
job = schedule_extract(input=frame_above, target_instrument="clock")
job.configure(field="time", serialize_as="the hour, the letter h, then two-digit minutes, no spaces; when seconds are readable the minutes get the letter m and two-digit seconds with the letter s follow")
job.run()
2h29
